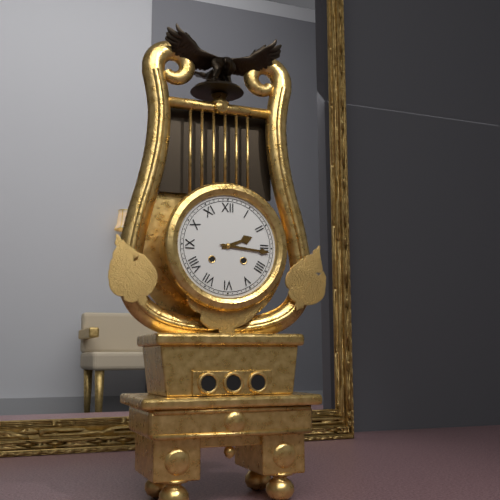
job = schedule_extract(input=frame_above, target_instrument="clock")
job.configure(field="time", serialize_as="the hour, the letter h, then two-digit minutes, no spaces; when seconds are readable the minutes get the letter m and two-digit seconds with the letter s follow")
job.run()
2h16
